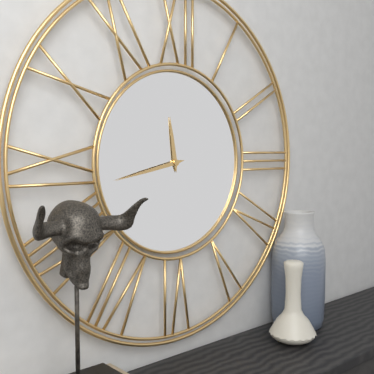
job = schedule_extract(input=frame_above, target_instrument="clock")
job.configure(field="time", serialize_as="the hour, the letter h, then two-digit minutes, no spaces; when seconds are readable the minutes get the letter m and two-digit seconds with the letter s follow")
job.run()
11h43
